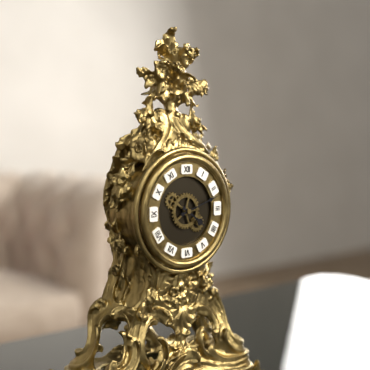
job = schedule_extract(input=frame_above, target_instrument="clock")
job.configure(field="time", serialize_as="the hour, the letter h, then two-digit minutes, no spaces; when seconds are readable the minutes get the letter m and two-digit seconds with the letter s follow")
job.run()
4h12
